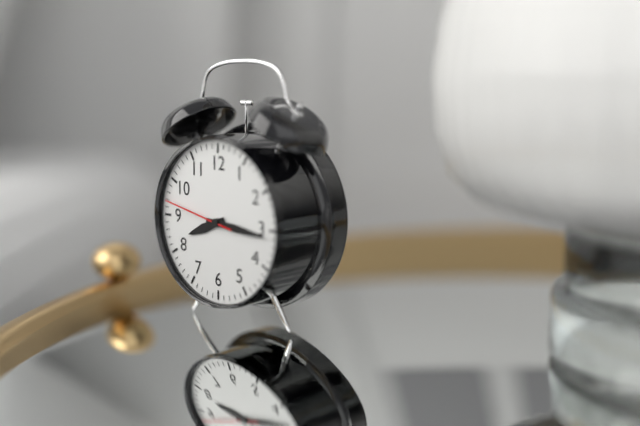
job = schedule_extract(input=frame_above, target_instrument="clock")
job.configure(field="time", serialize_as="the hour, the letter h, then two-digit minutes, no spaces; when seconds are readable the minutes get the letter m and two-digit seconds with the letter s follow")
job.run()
8h16m47s
